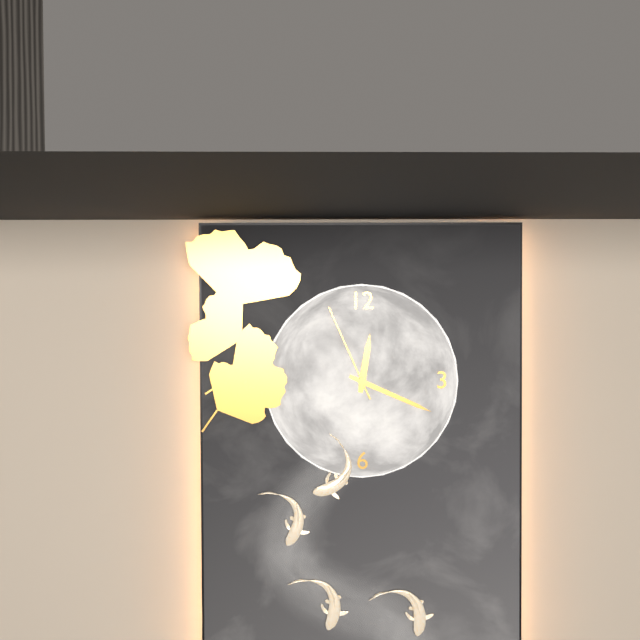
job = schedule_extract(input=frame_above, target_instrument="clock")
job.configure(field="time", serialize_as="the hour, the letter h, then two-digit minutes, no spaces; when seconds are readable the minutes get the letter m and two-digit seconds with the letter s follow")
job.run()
12h19m56s
